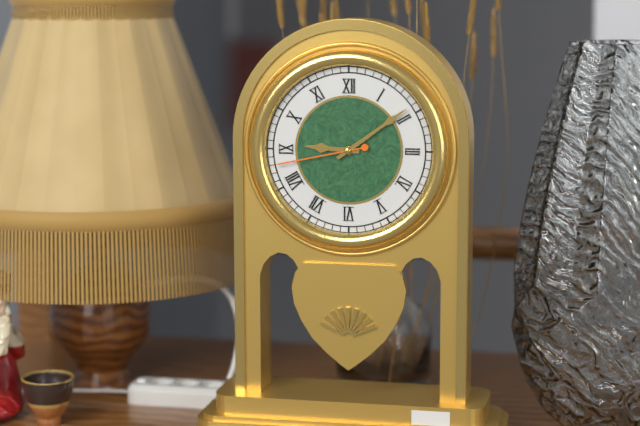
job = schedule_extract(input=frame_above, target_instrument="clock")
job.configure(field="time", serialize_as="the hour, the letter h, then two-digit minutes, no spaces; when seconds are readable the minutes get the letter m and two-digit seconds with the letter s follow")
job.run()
9h09m43s
